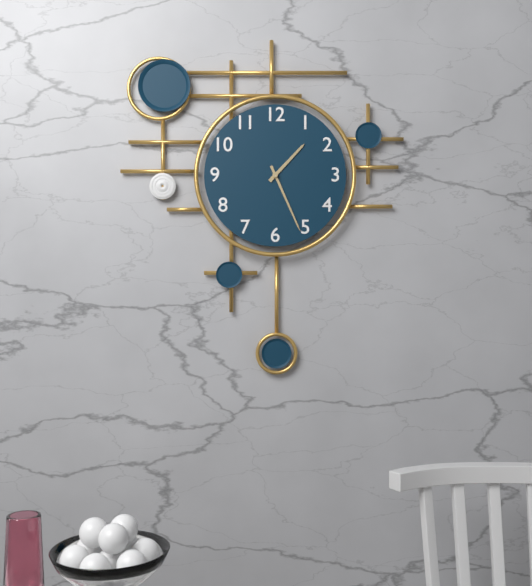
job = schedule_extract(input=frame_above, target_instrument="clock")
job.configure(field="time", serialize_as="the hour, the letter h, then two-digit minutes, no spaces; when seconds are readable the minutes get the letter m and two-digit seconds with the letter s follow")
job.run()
1h26
